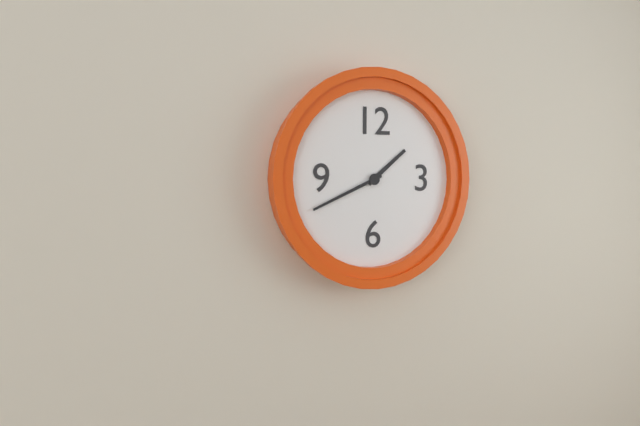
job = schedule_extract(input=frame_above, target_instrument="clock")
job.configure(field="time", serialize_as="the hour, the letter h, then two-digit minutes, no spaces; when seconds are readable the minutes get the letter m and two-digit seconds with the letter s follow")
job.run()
1h41
